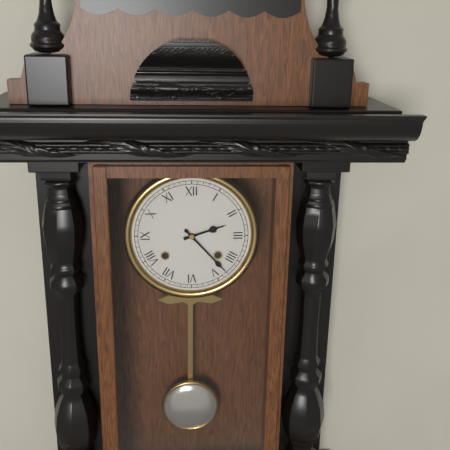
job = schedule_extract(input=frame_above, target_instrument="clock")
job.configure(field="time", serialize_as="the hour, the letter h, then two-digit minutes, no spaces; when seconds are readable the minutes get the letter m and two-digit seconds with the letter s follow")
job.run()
2h23
